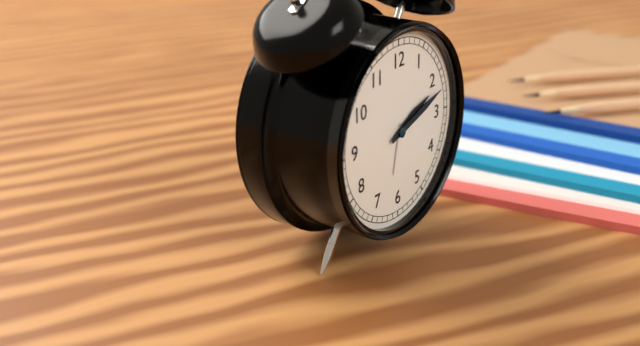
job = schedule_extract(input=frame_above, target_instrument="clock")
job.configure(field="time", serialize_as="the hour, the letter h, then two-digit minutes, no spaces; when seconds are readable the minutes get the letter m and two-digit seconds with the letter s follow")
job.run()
2h12
